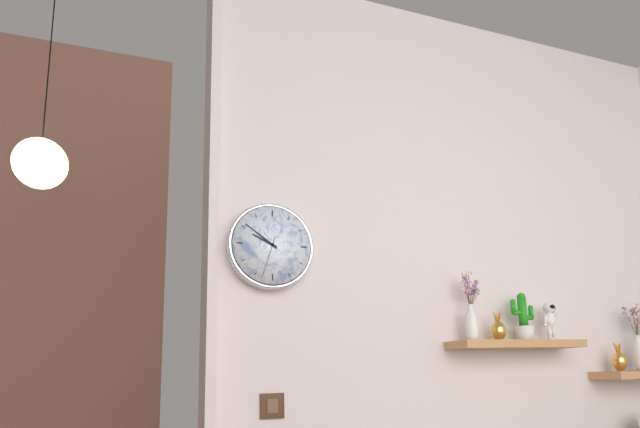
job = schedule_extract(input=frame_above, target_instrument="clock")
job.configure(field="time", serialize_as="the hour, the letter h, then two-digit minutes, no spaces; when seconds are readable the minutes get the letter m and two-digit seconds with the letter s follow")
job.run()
9h51
